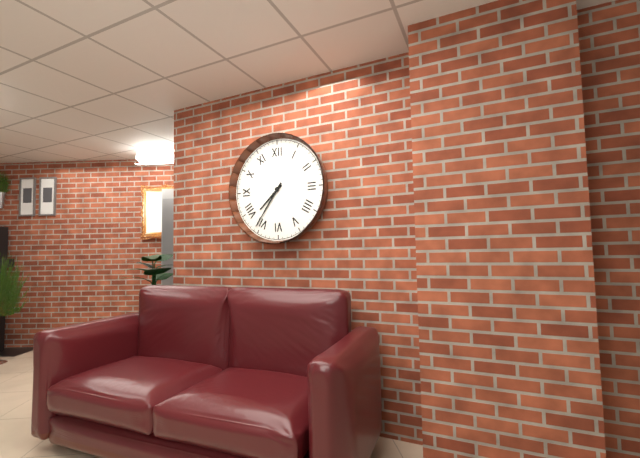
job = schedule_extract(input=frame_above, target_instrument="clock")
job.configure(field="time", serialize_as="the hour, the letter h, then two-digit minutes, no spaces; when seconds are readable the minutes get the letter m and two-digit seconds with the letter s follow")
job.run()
7h36
